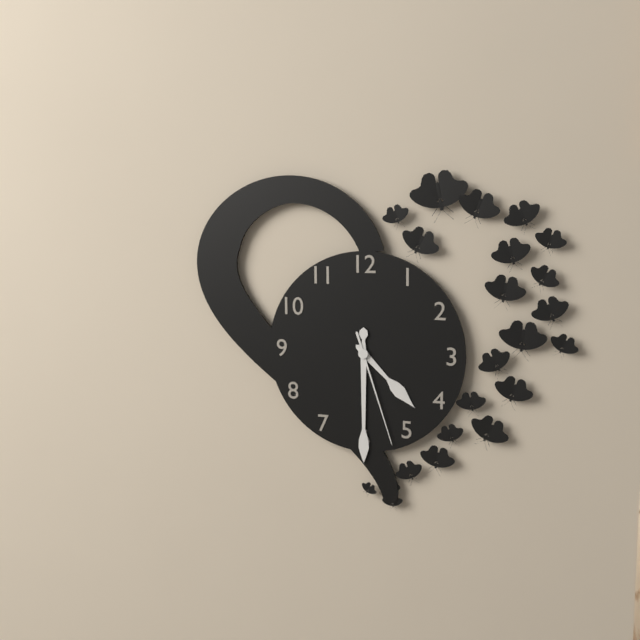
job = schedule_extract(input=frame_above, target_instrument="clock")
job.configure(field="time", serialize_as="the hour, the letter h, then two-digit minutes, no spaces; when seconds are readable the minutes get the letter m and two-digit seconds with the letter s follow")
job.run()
4h30m27s
